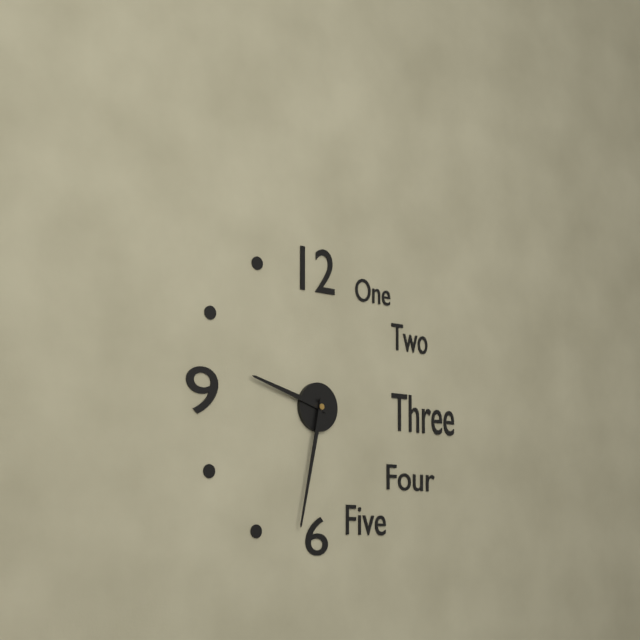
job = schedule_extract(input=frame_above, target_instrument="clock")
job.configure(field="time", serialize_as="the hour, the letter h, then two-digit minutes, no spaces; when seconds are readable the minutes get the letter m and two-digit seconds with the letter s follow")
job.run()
9h32
